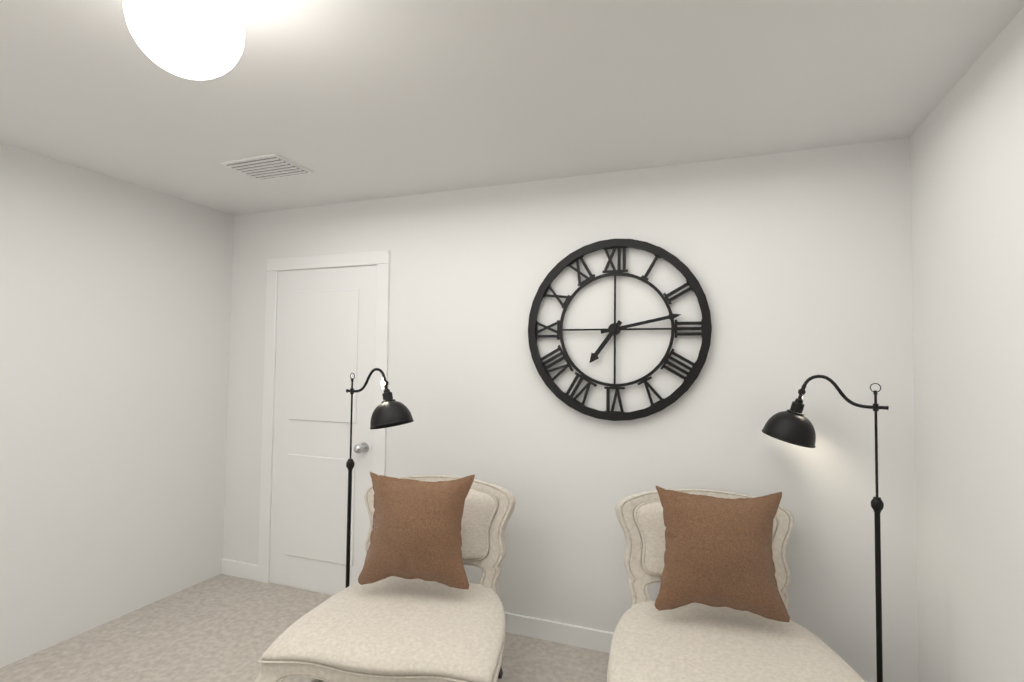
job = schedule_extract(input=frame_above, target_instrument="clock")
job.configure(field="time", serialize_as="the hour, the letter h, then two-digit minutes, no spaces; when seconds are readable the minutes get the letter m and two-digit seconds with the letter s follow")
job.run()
7h13
